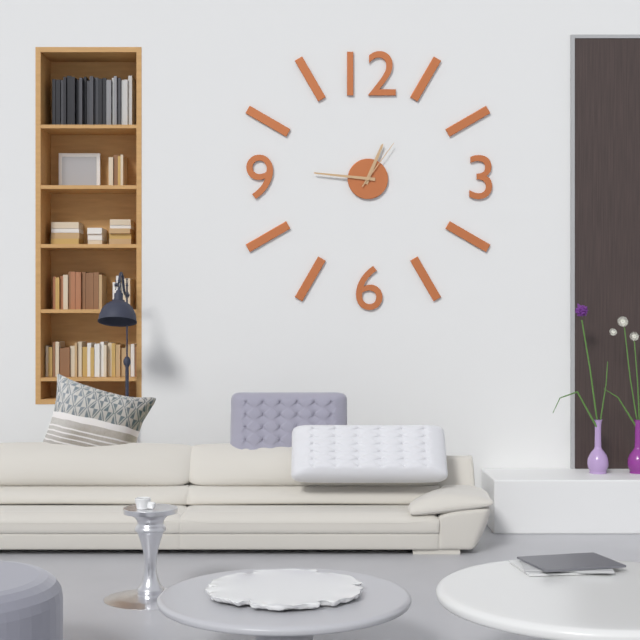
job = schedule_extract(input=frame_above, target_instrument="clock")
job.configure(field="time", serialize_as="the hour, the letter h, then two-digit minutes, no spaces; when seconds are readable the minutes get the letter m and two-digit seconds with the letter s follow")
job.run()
12h46m06s
